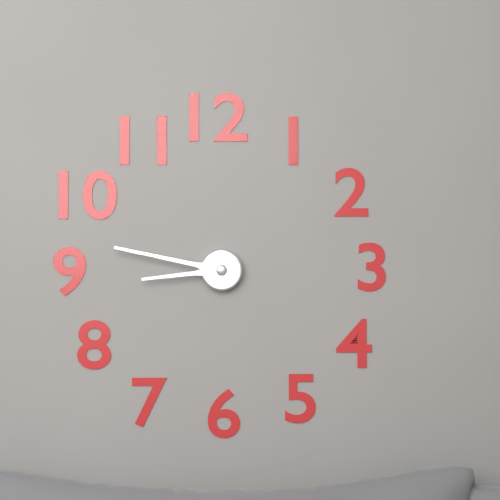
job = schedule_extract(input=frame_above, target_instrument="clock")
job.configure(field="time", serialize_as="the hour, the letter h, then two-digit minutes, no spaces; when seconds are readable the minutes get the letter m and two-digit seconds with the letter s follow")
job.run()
8h47
